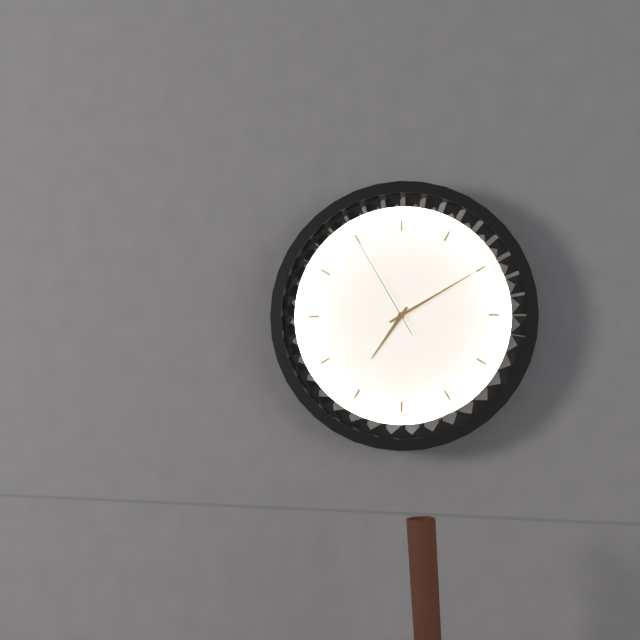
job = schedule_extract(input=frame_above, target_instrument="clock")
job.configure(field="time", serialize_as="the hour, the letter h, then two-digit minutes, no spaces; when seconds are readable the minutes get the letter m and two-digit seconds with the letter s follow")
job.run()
7h10m55s
